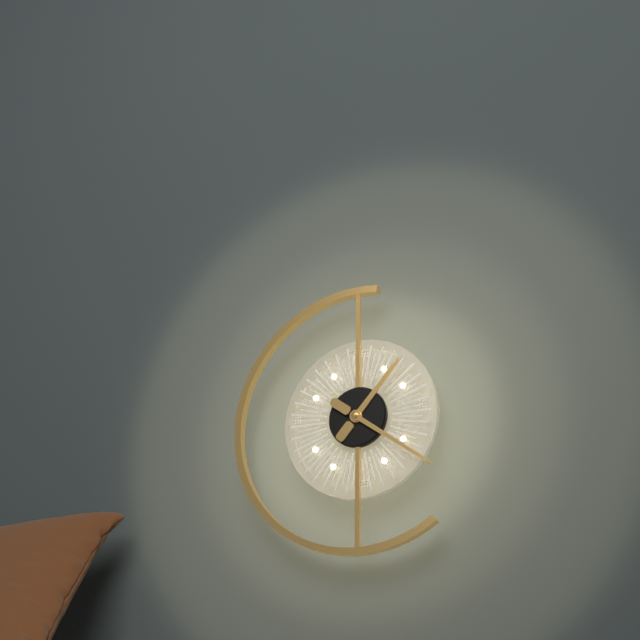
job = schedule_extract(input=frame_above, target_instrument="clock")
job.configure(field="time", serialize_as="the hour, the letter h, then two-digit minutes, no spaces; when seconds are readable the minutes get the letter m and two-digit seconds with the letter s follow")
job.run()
1h21
